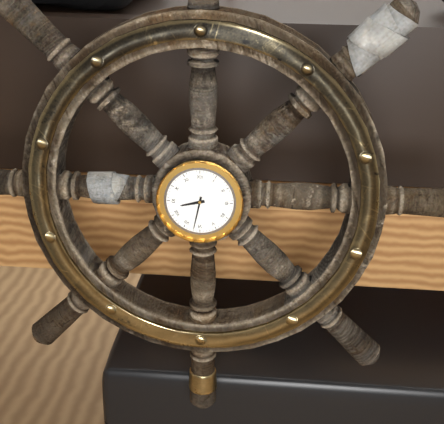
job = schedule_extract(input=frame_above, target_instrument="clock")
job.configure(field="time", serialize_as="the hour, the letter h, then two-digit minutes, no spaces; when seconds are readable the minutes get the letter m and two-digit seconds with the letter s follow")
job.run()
8h32
